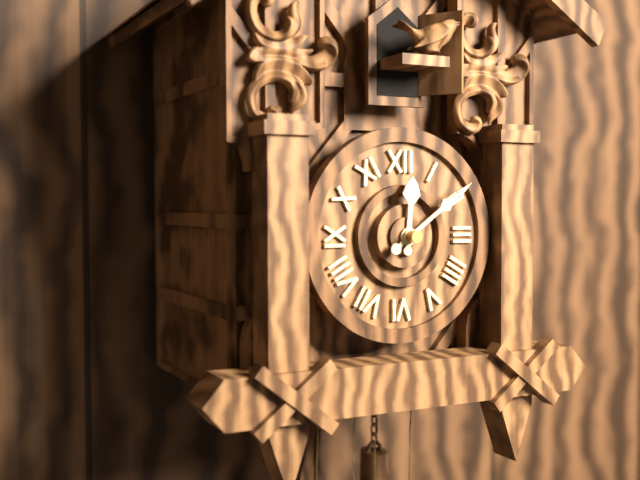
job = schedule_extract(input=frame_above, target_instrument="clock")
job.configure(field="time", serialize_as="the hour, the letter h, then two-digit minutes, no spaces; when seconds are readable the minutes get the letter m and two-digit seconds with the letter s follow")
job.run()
12h09
